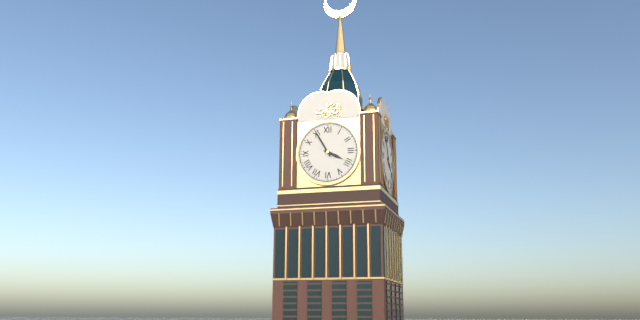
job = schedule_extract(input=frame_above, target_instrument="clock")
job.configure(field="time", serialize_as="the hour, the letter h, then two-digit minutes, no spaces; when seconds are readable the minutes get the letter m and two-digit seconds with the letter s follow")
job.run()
3h55
